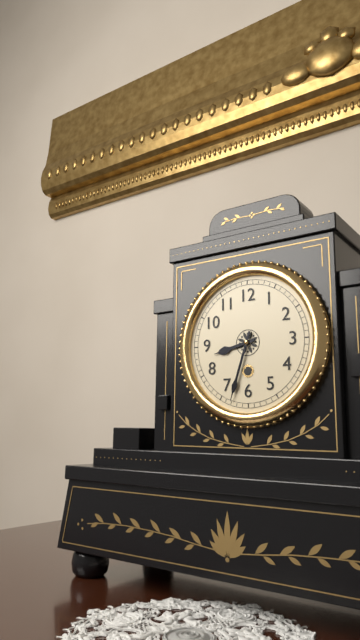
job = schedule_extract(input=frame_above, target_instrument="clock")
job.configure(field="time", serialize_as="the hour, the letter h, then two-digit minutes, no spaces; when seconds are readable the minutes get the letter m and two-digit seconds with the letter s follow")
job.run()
8h33
